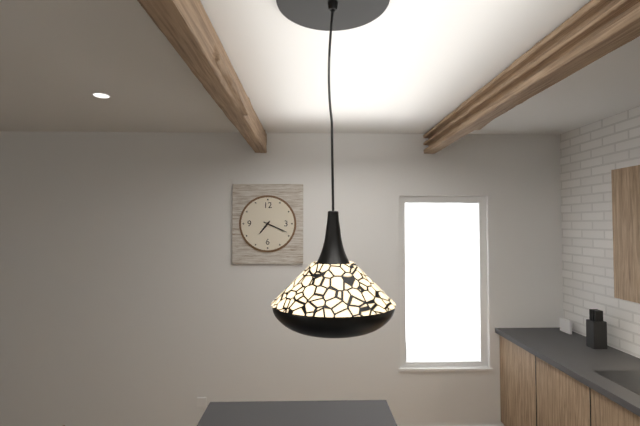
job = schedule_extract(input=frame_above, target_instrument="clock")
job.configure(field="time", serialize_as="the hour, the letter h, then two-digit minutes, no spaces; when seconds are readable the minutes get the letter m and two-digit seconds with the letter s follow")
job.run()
7h19
